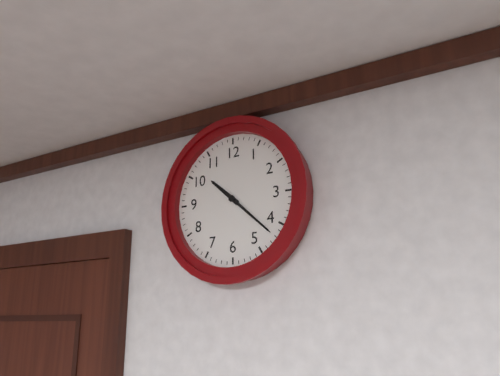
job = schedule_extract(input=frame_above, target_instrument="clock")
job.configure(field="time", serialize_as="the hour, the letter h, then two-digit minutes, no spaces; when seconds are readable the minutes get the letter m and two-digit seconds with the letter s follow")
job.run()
10h22
